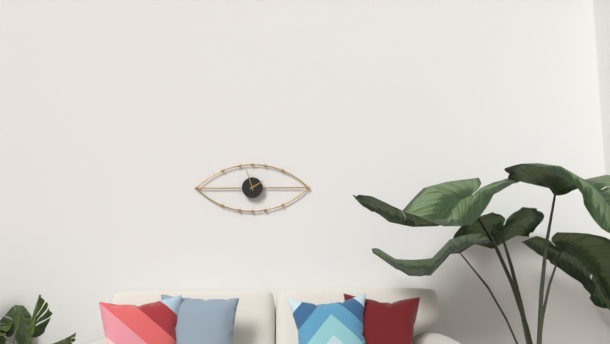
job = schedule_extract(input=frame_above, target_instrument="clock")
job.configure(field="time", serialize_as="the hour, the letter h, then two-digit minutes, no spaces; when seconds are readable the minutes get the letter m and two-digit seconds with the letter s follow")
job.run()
1h57
